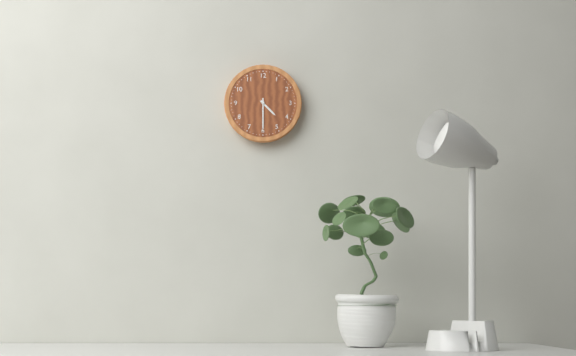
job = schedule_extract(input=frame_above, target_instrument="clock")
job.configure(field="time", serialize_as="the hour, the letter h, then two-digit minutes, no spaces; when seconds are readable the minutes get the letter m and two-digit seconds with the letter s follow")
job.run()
4h30
